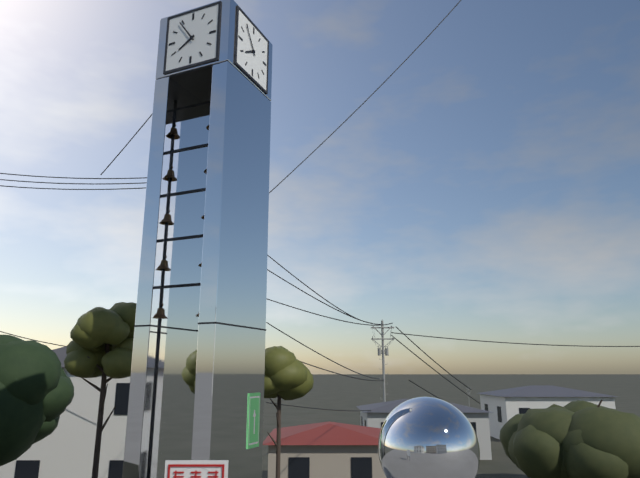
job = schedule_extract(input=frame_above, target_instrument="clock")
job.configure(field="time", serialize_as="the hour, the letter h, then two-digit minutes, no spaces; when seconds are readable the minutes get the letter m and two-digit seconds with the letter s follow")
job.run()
7h54
